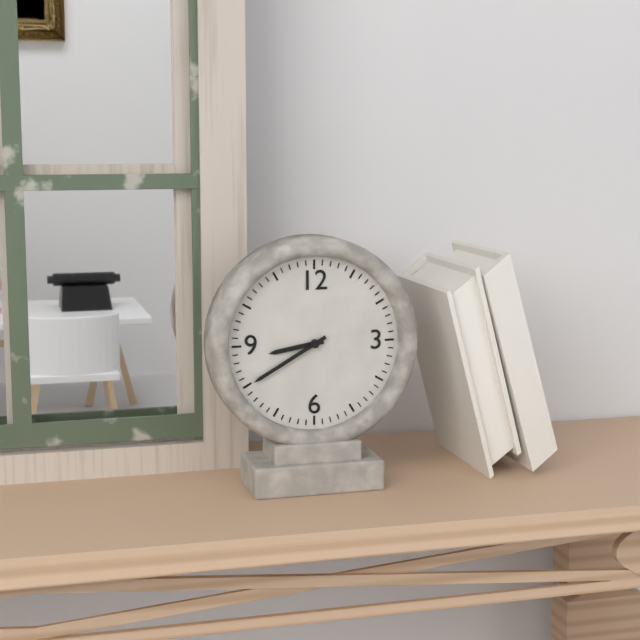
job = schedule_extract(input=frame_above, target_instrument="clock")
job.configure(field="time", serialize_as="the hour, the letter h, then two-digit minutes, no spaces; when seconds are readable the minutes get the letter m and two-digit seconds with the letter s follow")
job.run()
8h40
